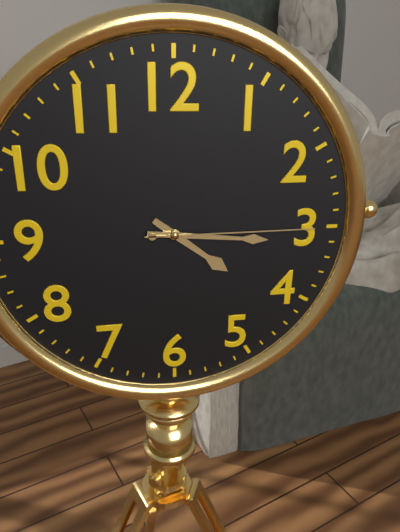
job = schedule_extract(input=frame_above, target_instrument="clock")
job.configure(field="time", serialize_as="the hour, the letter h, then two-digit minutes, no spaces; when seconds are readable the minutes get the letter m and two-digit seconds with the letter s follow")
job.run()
4h16m15s
